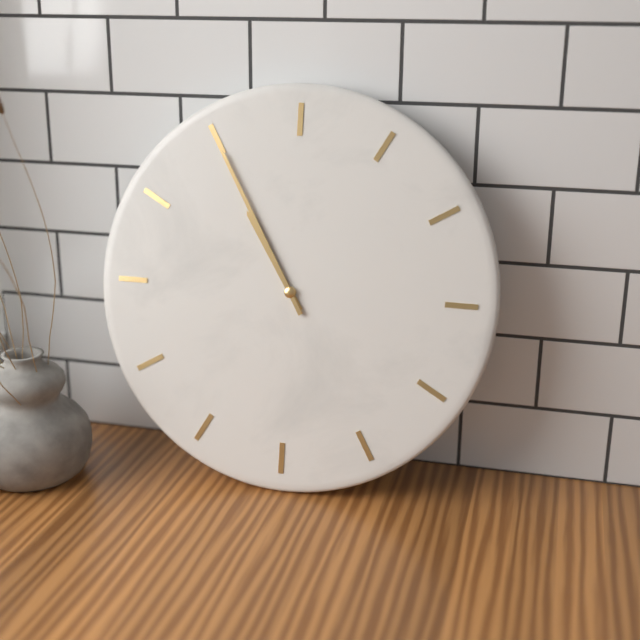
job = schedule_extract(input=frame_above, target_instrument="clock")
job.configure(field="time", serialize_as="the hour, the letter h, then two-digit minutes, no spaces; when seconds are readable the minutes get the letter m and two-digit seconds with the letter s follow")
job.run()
10h55
